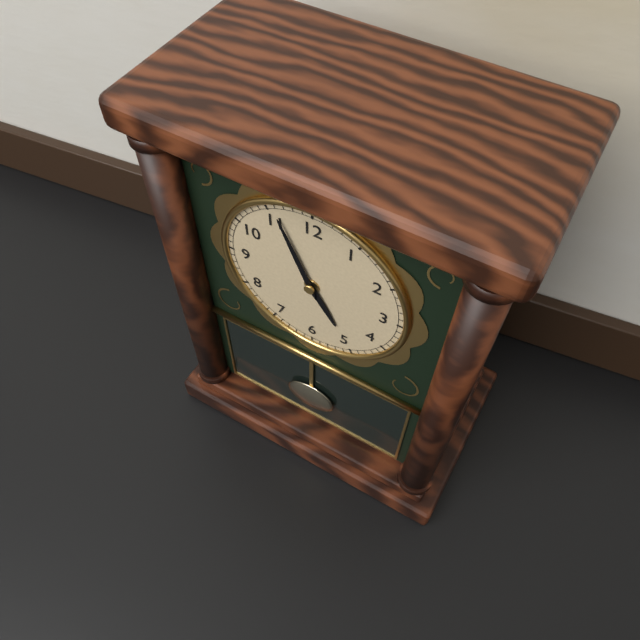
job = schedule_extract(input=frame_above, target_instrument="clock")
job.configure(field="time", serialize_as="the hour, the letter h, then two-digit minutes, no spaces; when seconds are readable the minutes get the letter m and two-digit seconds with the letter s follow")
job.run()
4h56
